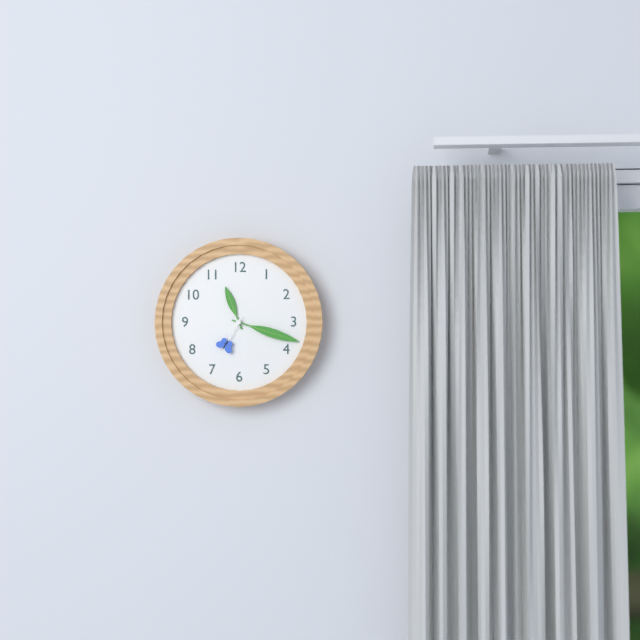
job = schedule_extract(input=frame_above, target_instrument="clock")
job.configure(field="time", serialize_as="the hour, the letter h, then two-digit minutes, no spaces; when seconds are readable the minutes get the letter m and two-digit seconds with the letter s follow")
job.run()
11h18
